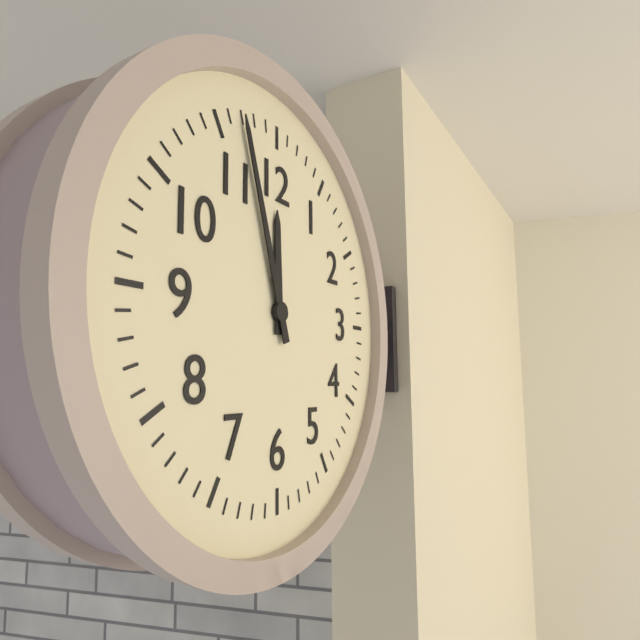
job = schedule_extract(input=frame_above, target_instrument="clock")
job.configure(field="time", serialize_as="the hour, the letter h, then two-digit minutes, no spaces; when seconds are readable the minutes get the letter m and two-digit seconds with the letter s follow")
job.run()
11h57
